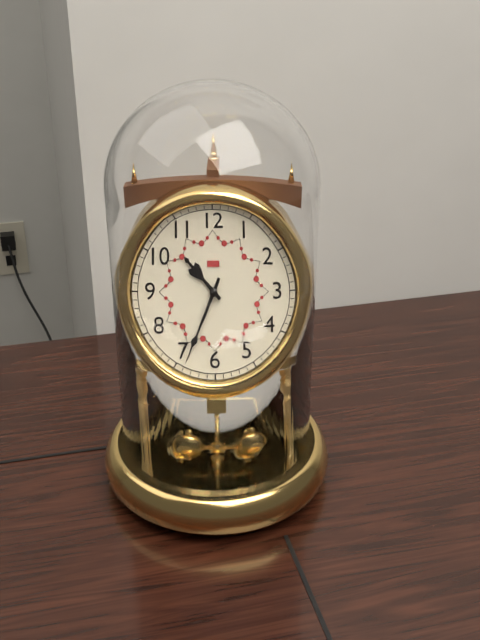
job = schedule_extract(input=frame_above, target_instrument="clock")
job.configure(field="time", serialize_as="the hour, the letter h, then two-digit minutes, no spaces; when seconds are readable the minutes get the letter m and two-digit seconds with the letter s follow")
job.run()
10h34
